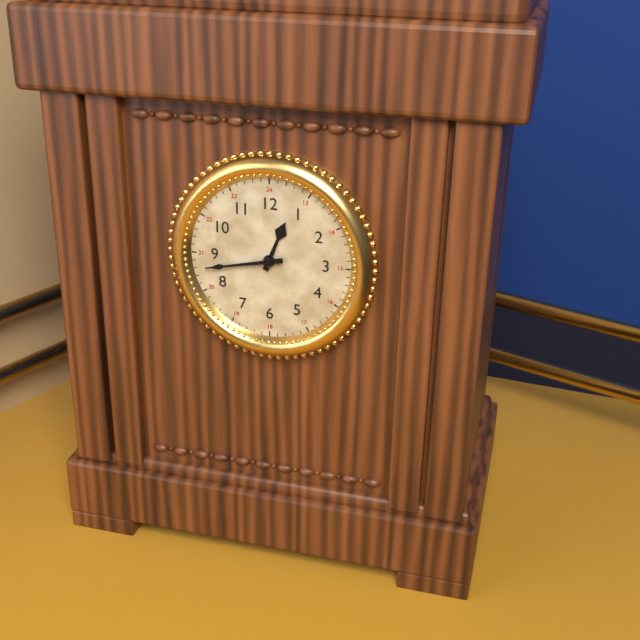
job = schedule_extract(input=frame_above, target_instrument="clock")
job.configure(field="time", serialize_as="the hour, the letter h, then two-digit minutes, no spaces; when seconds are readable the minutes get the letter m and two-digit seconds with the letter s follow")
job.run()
12h43
